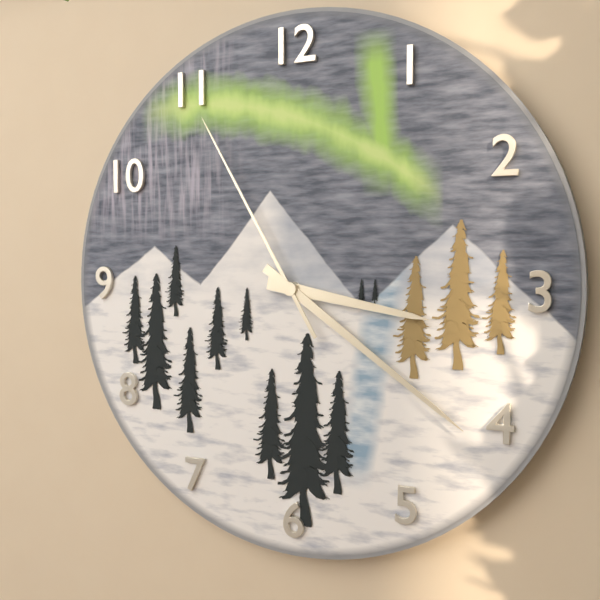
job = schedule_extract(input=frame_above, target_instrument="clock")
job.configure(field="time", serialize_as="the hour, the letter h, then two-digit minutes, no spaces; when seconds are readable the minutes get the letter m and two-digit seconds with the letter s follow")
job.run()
3h21m55s
